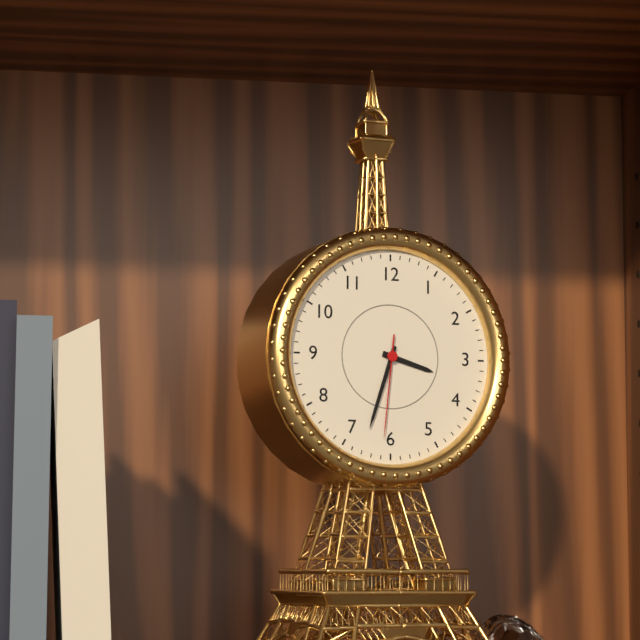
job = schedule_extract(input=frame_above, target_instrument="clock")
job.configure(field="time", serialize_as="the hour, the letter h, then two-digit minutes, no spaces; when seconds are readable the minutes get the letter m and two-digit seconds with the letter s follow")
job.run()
3h33m31s
